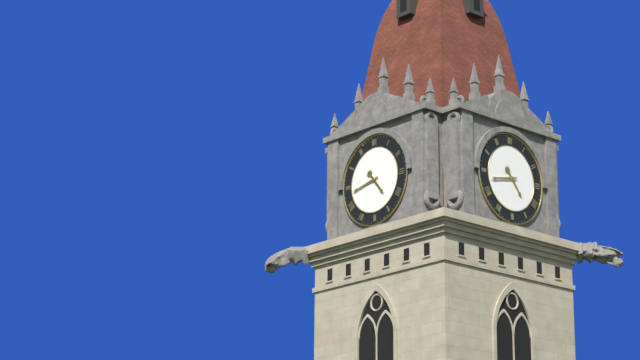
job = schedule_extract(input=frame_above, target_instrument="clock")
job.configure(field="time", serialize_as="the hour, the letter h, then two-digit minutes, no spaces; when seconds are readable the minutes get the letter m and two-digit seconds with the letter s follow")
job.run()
4h43
